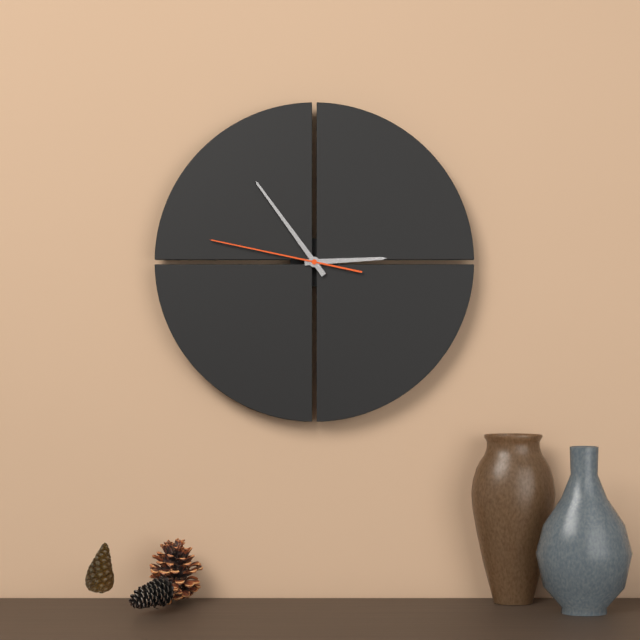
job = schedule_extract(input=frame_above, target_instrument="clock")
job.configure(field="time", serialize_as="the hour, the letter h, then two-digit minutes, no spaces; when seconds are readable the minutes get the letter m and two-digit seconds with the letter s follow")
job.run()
2h54m47s
